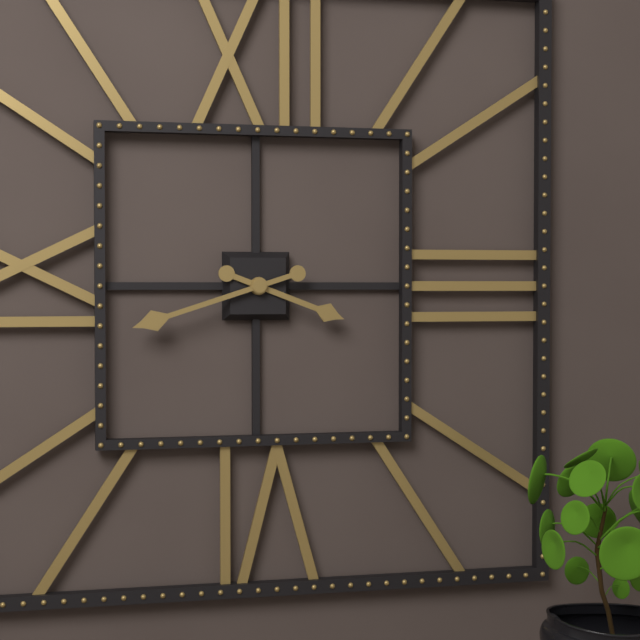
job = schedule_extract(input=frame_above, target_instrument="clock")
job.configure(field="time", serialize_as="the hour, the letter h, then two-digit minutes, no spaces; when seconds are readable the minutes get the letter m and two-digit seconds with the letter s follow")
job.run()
3h42
